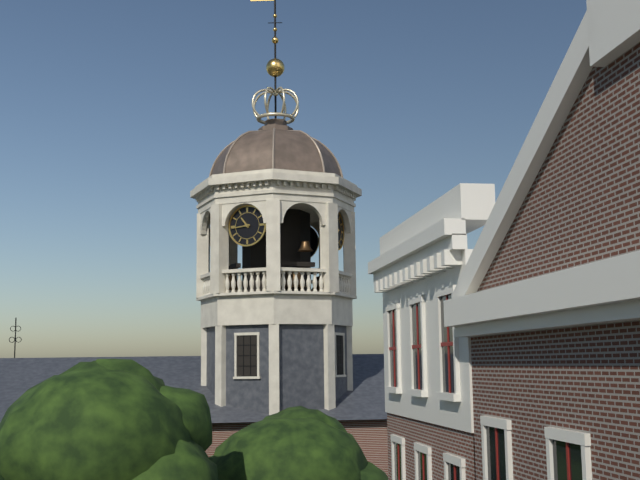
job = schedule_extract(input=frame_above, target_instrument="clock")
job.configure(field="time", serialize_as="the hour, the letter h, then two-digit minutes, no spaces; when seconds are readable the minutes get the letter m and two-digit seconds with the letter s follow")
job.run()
10h44
